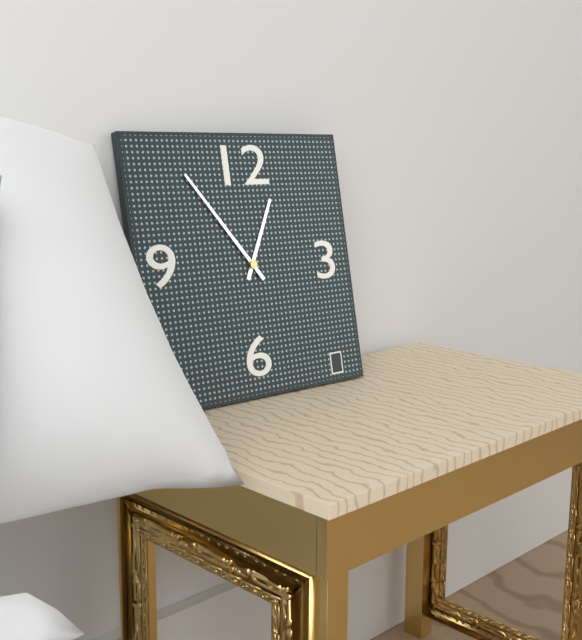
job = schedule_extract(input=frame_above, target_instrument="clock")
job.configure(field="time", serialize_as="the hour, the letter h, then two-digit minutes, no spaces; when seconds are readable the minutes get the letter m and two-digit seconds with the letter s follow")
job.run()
12h54
